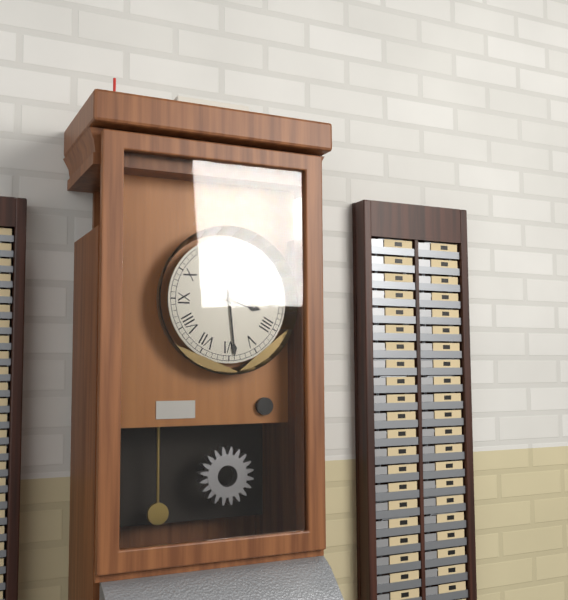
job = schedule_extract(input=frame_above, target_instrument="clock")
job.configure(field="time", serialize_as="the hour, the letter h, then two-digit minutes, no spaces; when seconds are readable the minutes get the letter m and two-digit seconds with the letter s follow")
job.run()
3h29
